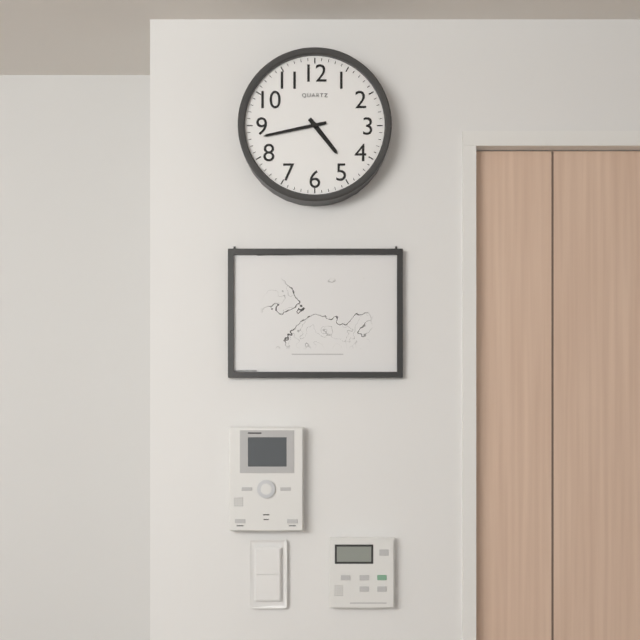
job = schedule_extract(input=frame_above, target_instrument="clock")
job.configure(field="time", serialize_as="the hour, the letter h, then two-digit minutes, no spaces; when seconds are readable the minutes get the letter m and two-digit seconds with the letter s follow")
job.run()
4h43
